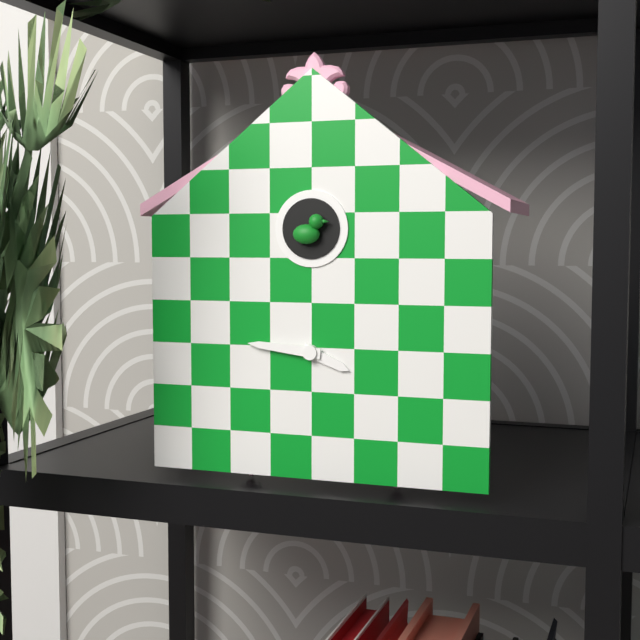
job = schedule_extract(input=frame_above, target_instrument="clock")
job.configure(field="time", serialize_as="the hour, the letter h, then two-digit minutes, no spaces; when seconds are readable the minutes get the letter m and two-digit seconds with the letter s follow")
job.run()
3h46
